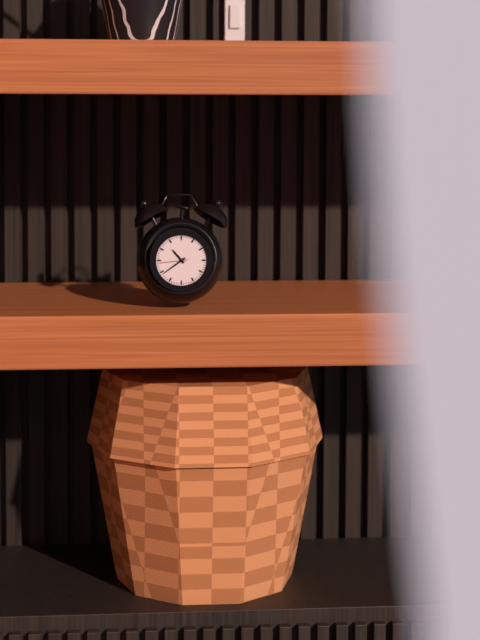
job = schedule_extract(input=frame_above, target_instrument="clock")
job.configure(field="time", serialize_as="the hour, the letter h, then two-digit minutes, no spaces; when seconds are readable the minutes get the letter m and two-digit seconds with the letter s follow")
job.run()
10h39
